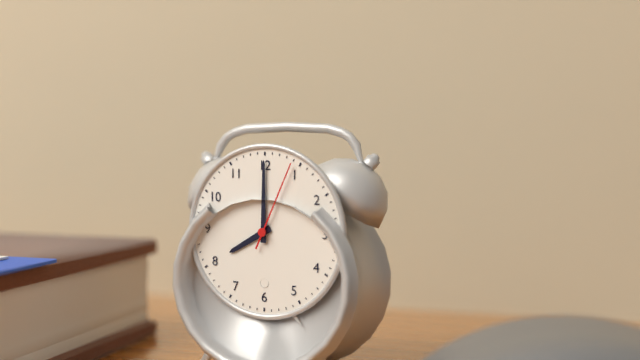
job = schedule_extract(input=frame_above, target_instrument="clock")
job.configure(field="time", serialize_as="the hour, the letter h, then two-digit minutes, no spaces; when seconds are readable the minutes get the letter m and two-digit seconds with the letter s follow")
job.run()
8h00m04s
